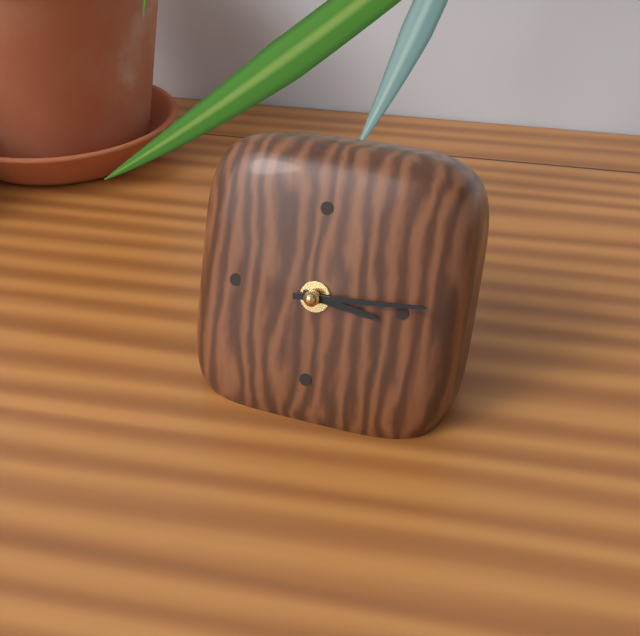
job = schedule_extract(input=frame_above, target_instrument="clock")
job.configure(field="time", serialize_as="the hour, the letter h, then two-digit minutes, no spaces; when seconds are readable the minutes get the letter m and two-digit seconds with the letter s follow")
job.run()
3h14
